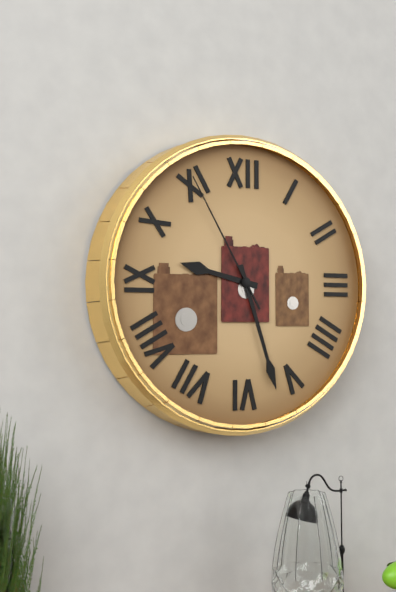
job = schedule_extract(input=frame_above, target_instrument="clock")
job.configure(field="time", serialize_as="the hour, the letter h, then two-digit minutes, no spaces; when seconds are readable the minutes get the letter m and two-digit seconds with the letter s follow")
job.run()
9h27m55s
